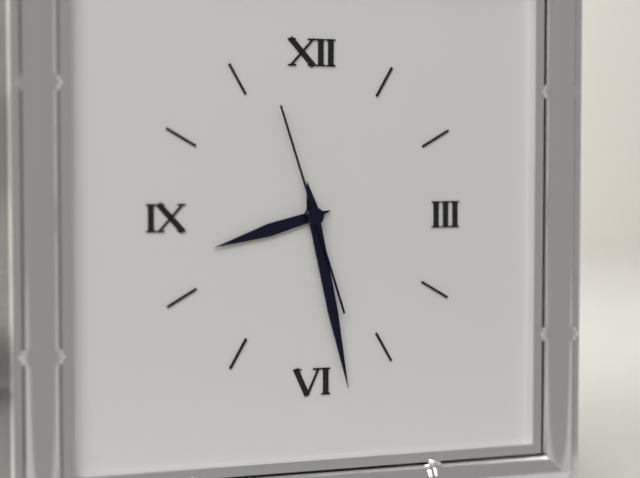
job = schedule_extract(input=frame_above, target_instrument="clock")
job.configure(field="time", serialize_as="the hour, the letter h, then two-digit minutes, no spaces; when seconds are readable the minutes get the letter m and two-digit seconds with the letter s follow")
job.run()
8h28m57s
